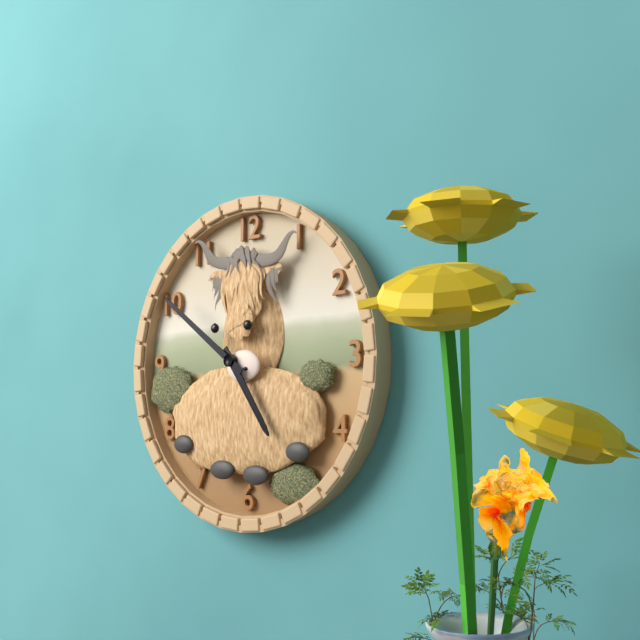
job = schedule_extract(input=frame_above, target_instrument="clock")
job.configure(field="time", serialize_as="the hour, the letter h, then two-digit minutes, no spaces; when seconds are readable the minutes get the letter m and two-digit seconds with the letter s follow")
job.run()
4h51
